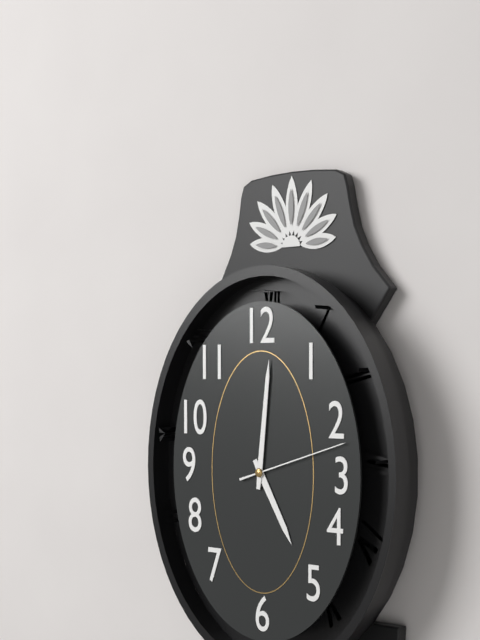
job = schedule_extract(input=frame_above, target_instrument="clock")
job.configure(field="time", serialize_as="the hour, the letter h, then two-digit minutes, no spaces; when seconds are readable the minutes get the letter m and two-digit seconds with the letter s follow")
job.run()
5h01m12s
